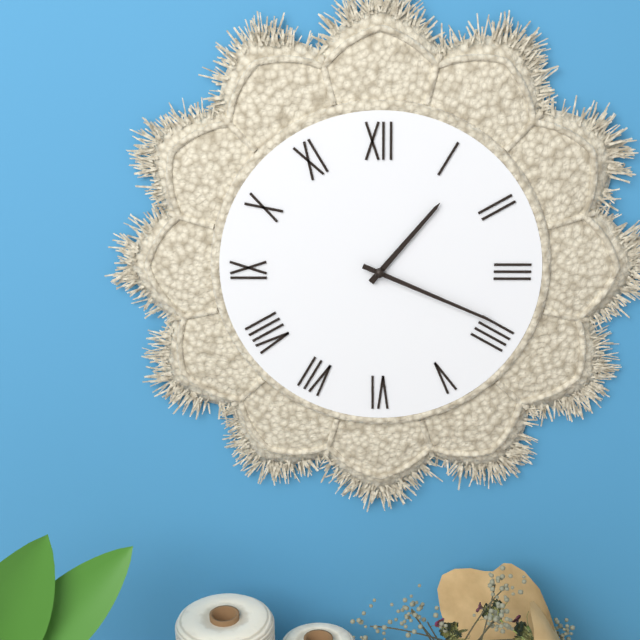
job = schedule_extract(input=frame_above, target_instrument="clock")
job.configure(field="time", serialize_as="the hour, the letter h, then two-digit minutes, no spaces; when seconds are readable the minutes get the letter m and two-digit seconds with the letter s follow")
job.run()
1h19
